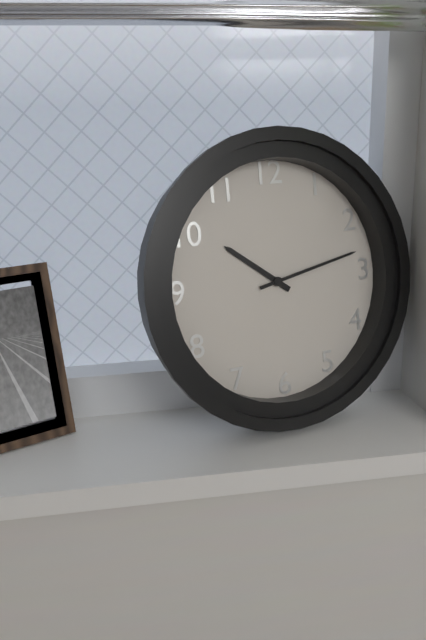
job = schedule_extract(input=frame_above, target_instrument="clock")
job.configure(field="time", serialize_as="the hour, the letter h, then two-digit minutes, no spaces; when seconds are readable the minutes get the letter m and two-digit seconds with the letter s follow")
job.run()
10h13
